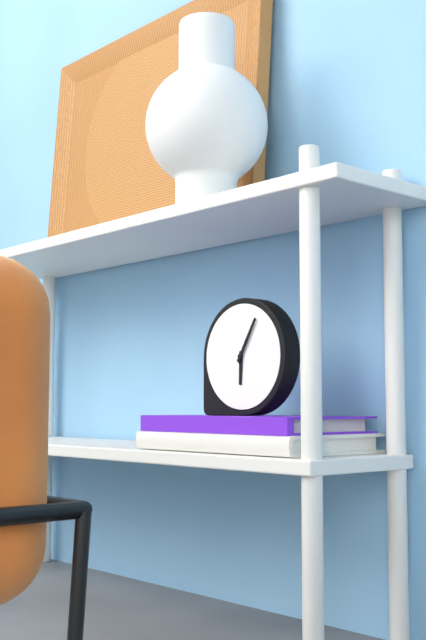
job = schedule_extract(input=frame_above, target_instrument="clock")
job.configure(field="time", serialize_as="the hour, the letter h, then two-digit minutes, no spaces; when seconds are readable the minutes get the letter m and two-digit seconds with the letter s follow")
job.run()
6h05
